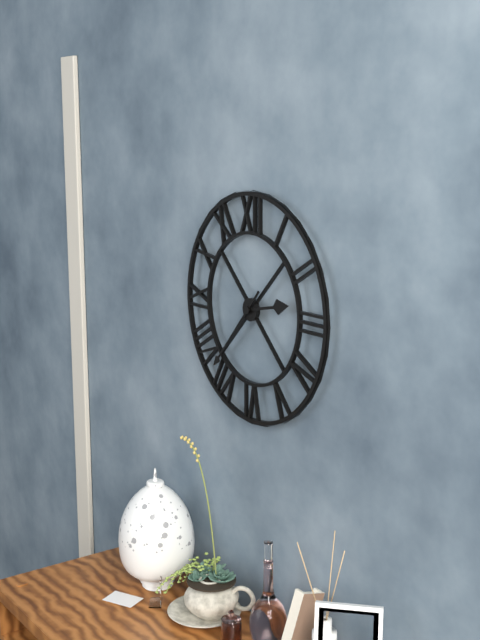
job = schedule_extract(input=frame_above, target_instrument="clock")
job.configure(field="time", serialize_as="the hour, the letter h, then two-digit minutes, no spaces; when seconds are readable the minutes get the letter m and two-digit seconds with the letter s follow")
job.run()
2h37
